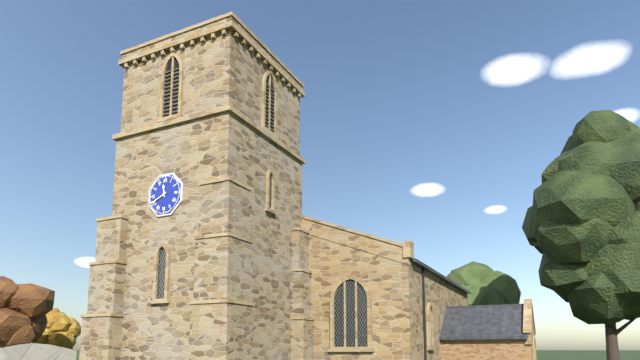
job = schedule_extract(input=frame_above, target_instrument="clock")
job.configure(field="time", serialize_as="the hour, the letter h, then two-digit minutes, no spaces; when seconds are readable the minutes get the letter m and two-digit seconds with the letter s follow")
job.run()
11h41
